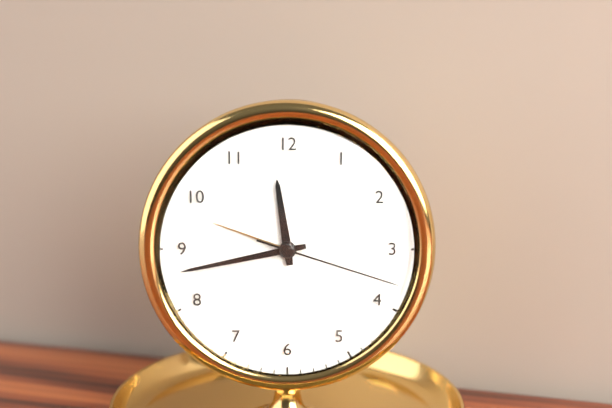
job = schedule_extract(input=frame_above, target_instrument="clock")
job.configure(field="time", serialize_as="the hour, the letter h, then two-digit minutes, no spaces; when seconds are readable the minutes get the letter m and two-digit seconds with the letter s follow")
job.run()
11h43m18s
